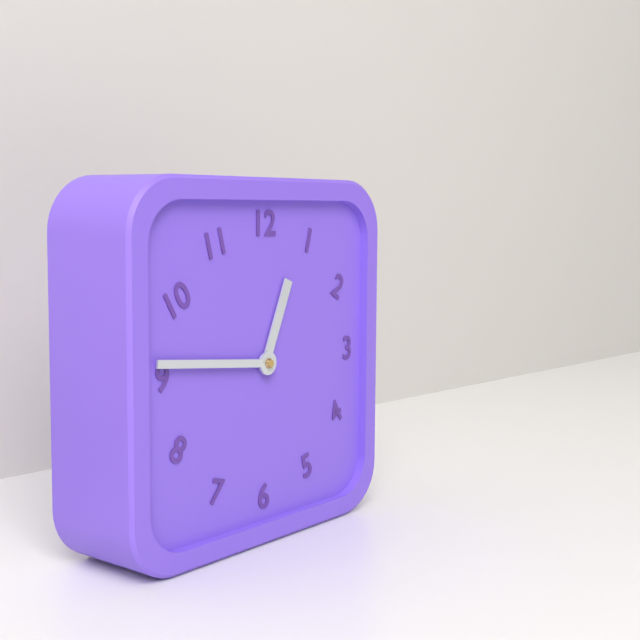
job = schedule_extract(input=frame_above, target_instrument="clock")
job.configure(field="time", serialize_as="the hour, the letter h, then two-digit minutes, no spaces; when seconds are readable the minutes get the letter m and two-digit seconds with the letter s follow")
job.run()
12h46
